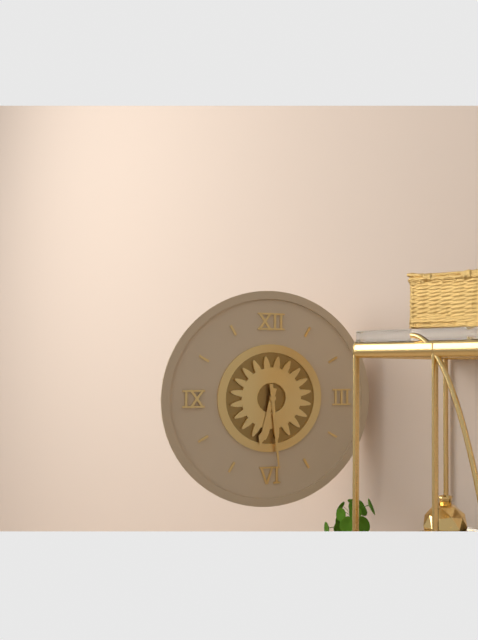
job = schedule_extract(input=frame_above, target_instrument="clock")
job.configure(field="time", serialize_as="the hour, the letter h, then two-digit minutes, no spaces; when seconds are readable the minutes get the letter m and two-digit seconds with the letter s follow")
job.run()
6h29
